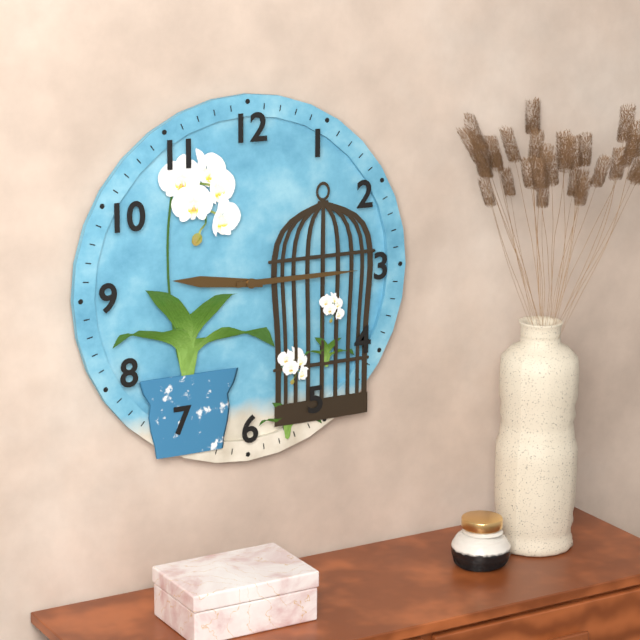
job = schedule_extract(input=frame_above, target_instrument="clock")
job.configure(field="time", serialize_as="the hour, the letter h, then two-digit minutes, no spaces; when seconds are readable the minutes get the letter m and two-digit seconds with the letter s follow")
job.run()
9h15
